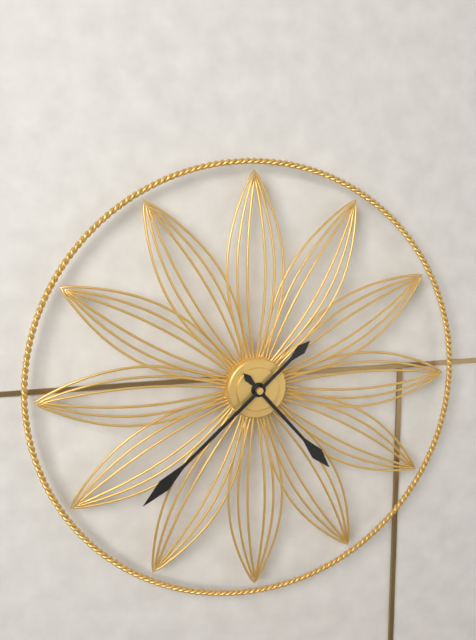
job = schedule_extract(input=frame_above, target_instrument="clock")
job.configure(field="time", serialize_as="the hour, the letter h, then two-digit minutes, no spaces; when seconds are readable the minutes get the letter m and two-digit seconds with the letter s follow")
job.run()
4h38
